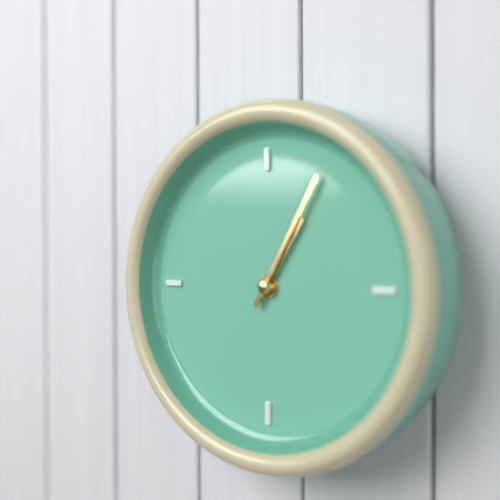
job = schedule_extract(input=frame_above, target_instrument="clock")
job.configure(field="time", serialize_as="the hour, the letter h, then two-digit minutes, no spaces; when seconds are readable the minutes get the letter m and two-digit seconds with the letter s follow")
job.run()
1h05
